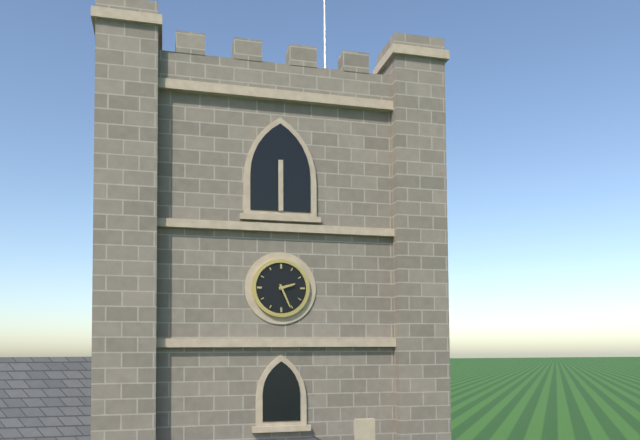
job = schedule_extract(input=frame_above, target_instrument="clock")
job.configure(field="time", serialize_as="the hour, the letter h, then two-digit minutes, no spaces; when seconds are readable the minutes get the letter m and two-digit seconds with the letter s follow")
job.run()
2h26
